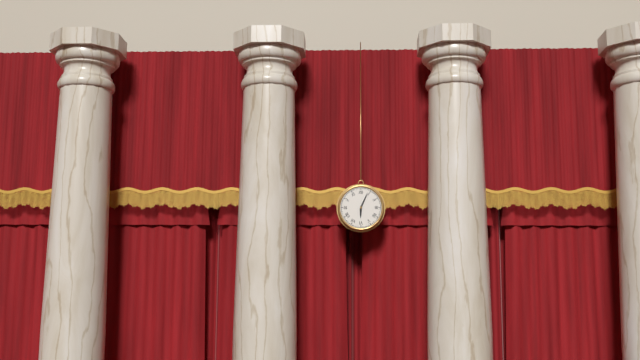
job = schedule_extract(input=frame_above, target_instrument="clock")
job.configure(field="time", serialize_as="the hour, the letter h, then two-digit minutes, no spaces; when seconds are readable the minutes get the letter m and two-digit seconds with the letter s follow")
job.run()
6h04
